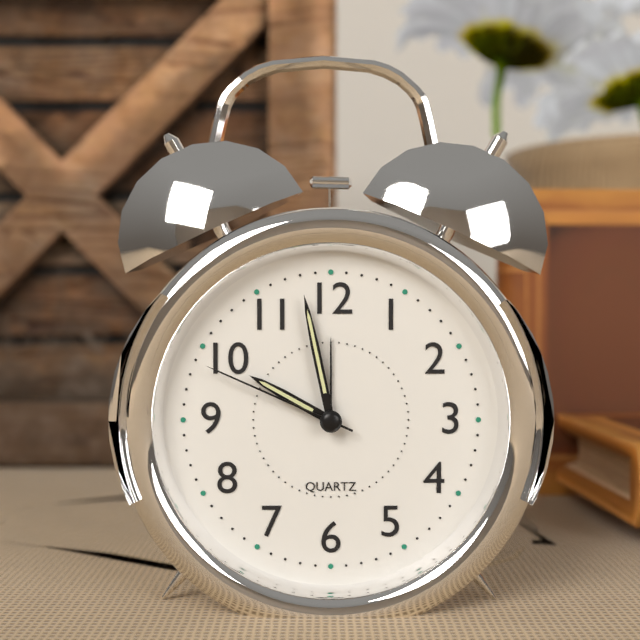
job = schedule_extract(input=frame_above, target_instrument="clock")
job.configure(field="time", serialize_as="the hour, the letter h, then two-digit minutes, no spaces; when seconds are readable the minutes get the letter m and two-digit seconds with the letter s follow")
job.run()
9h58m49s
